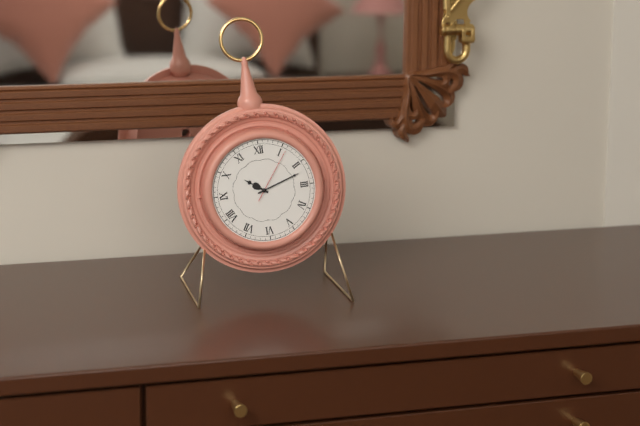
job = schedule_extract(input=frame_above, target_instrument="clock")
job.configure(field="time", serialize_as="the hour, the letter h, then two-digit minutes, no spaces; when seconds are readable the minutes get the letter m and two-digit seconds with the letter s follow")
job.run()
10h12m06s
